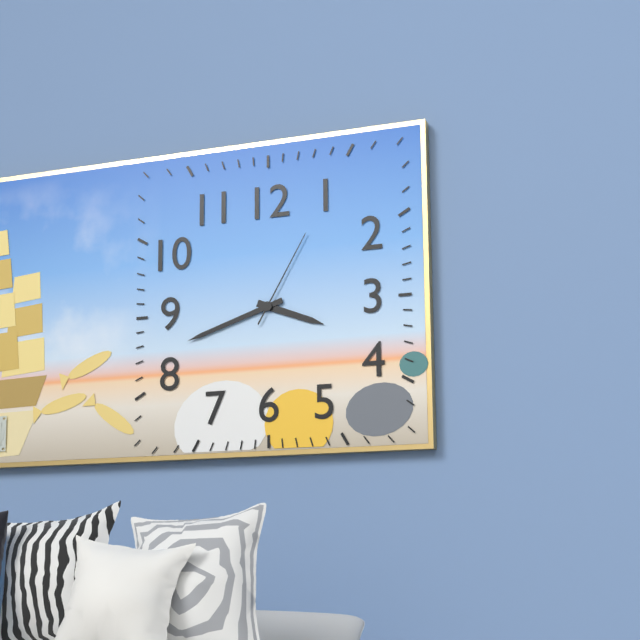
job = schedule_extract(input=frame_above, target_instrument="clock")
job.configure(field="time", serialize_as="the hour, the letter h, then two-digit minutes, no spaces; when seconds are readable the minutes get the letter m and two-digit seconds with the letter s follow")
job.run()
3h42m05s
